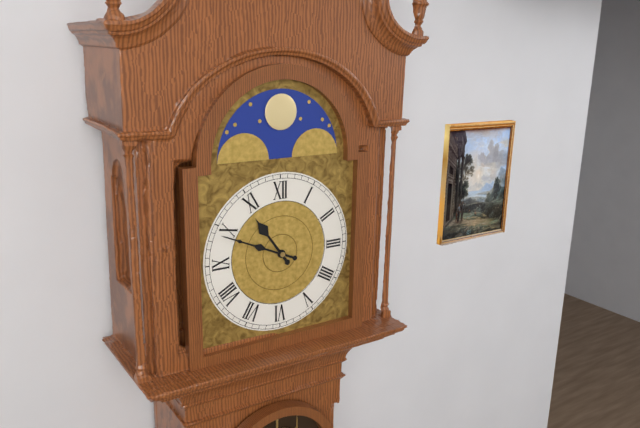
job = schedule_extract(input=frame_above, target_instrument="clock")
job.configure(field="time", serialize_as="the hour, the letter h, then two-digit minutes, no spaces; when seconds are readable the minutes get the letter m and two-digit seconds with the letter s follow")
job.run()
10h49
